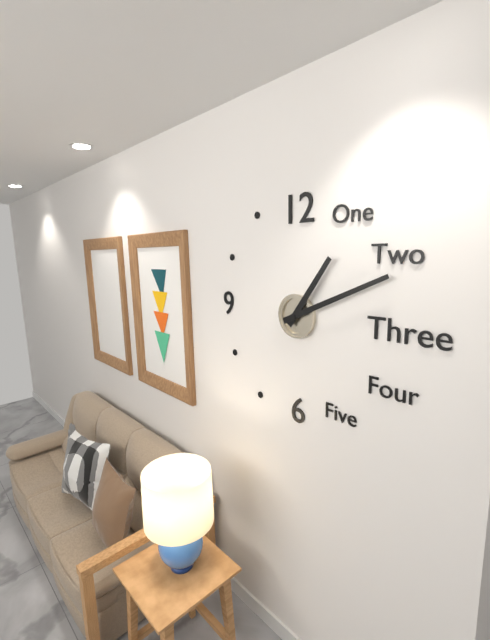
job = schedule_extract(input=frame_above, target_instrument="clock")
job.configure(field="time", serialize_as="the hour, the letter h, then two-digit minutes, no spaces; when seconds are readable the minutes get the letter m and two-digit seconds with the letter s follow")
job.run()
1h11
